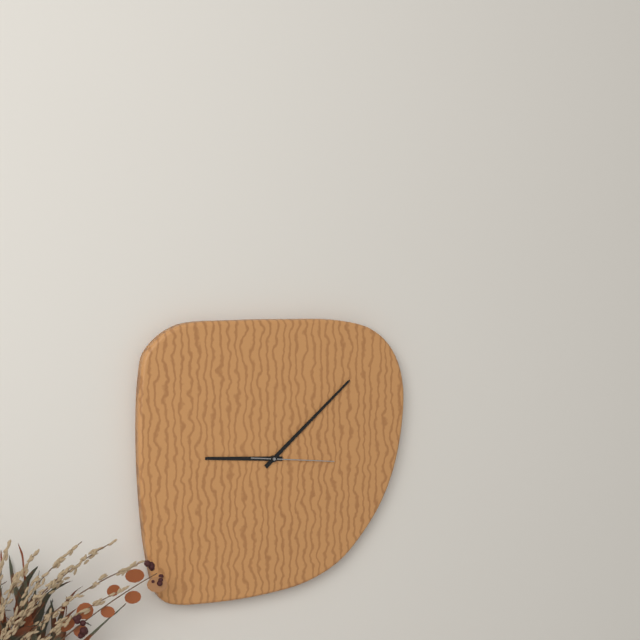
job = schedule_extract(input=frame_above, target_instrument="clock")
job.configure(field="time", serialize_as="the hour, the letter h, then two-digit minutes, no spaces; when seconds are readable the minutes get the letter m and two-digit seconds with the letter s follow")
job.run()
9h08m16s
